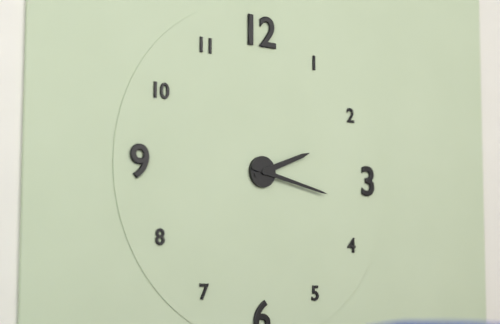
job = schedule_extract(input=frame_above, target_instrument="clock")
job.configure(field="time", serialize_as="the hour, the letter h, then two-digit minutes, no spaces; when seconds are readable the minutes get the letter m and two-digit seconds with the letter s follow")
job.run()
2h17
